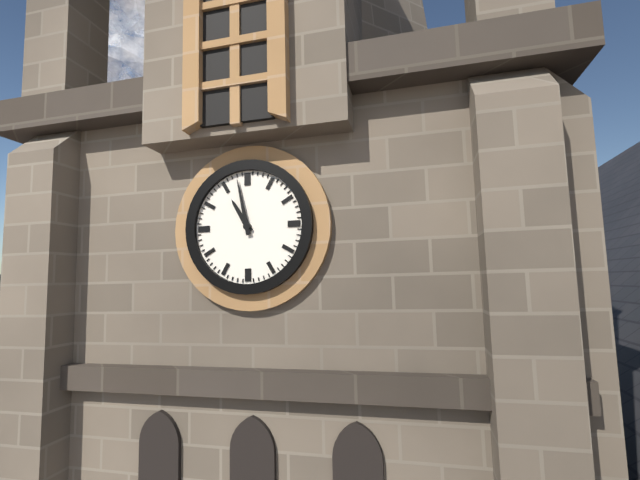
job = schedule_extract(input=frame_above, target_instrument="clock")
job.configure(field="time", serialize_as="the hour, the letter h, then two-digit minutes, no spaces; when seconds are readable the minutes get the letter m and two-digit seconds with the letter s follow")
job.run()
10h58
